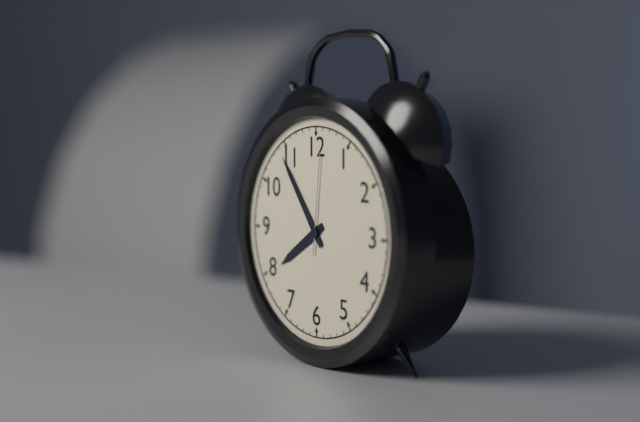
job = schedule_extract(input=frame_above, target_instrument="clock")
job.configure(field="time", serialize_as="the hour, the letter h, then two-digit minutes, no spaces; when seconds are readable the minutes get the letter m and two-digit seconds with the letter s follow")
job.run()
7h54m01s
